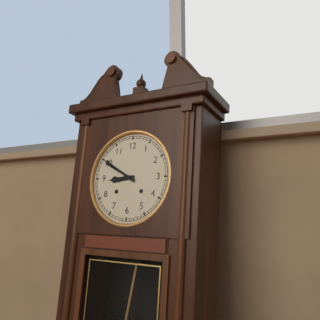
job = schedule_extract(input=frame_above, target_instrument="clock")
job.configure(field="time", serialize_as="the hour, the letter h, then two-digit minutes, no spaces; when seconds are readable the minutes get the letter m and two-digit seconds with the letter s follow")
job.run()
8h50
